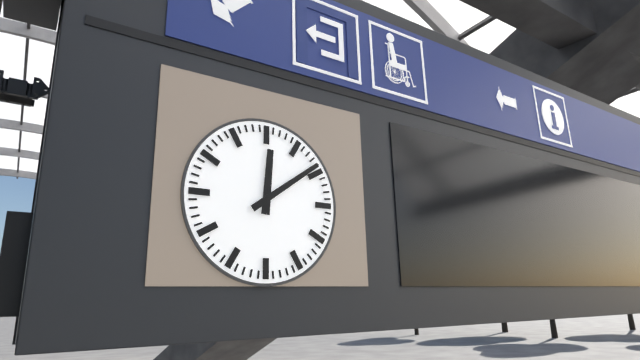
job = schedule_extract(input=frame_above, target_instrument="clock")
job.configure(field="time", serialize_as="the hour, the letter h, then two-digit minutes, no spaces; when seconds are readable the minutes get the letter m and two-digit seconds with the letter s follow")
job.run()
12h09
